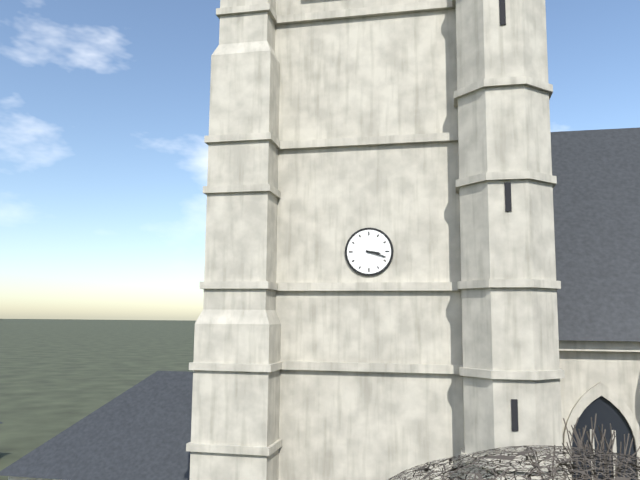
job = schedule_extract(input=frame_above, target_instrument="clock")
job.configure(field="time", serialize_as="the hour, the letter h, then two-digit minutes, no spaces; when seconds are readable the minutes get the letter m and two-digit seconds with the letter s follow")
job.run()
3h18
